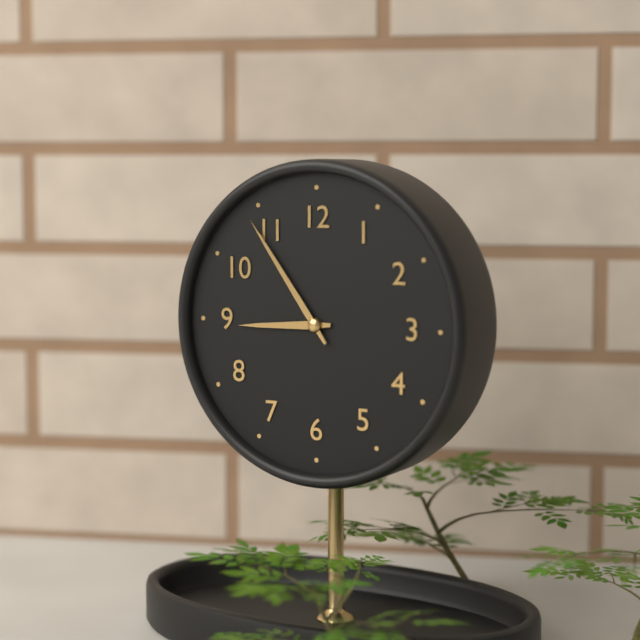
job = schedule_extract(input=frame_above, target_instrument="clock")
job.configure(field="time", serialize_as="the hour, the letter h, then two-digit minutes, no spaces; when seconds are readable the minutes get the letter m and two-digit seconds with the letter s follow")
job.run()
8h54
